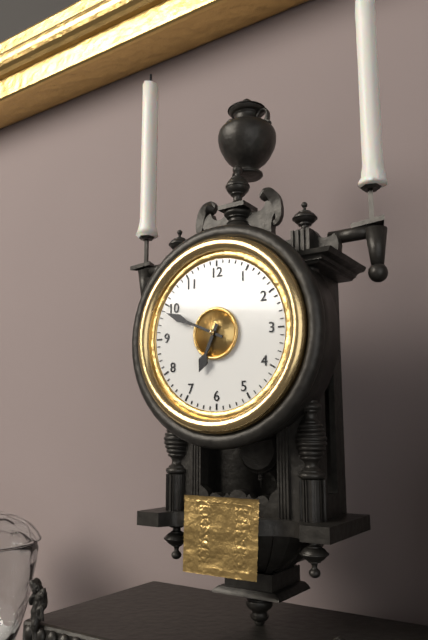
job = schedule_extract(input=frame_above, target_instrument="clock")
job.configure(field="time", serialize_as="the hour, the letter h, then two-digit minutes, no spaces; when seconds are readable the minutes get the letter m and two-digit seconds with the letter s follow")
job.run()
6h49
